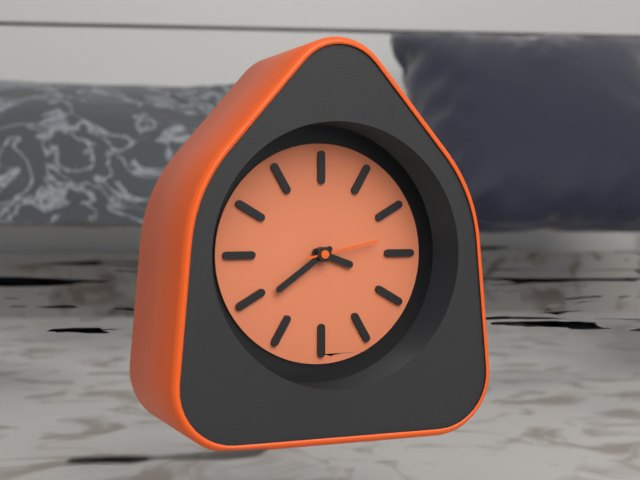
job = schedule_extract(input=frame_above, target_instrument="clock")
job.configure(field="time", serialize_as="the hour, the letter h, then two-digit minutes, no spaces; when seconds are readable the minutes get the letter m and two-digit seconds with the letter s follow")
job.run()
3h39
